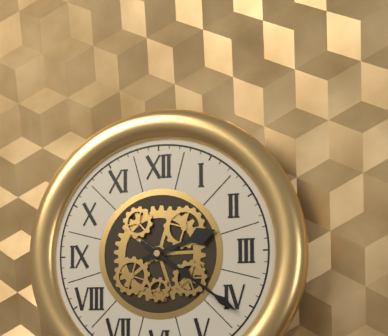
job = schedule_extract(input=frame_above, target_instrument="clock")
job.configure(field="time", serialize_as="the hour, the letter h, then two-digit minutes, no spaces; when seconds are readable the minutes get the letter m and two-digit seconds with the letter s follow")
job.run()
2h21
